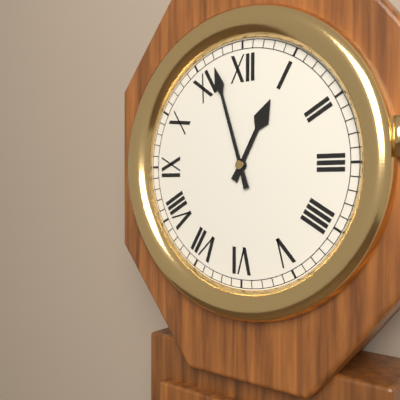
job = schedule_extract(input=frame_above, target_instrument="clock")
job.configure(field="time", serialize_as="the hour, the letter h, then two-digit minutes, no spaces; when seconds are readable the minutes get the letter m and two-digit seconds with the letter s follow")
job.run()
12h57
